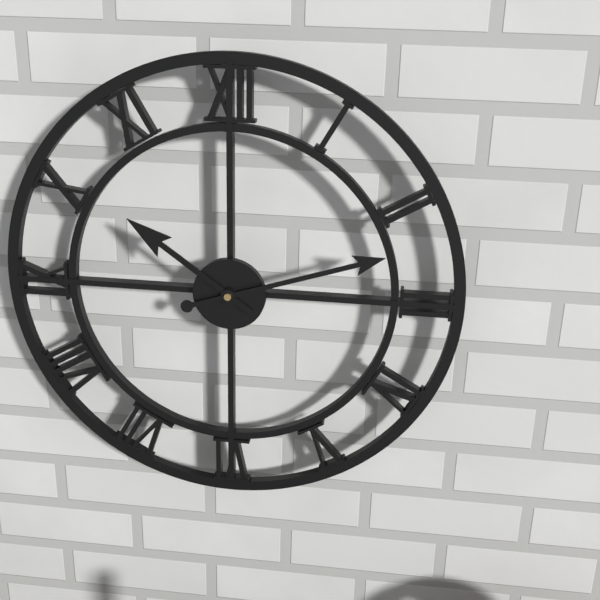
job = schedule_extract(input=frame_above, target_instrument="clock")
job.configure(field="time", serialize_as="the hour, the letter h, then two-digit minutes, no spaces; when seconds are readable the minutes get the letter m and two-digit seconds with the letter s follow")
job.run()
10h12
